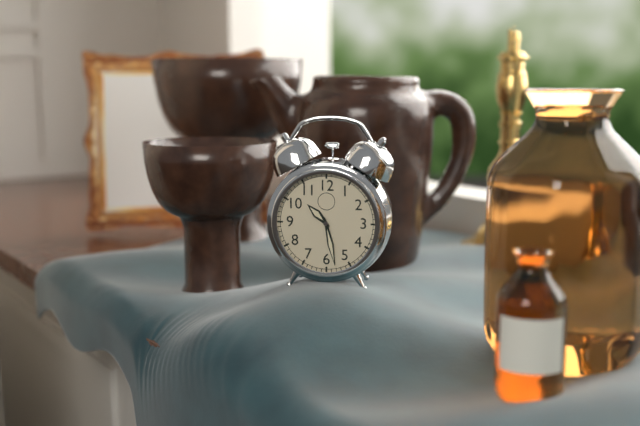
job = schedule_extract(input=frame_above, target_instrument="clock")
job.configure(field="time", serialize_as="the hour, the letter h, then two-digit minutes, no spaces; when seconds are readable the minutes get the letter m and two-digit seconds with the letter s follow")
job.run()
10h28
